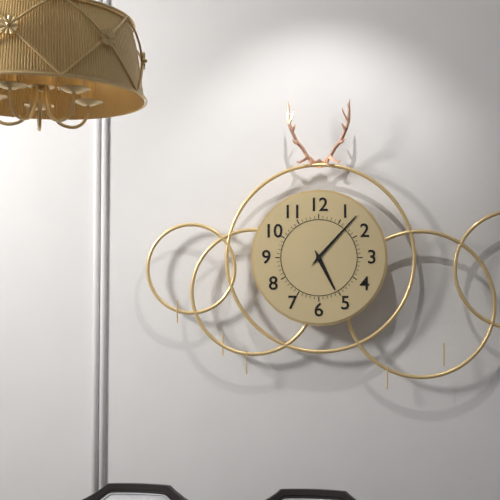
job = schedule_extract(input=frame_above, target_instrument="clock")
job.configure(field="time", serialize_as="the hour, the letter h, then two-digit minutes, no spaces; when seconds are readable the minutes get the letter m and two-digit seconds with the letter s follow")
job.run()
5h07
